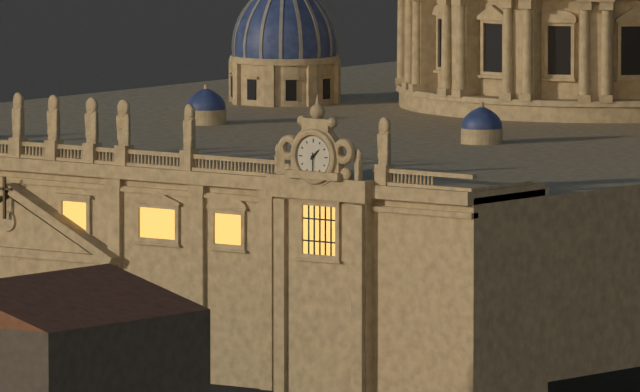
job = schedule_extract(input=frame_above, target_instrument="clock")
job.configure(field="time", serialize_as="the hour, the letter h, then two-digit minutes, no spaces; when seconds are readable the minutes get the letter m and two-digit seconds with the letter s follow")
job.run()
1h30
